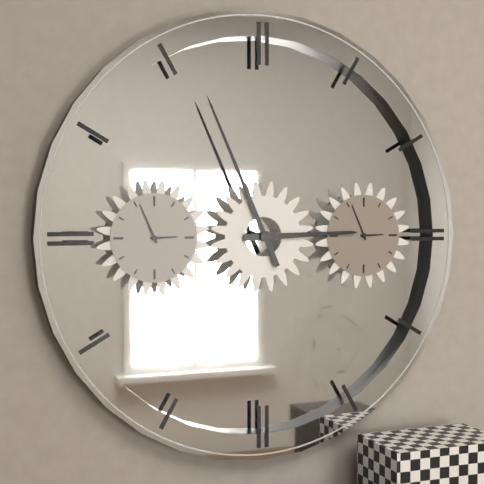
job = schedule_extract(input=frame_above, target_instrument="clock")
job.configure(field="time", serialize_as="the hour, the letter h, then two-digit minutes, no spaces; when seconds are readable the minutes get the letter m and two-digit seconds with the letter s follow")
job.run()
2h56
